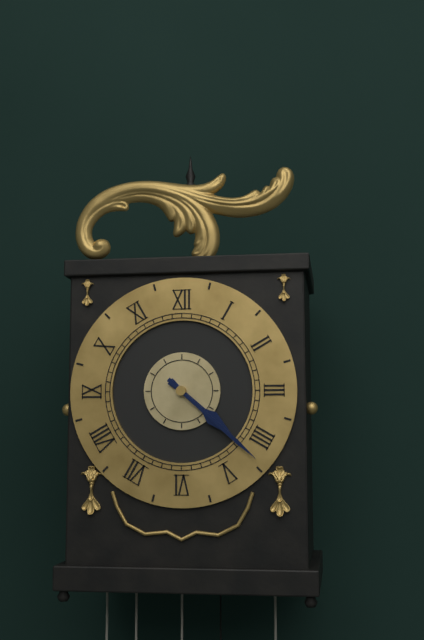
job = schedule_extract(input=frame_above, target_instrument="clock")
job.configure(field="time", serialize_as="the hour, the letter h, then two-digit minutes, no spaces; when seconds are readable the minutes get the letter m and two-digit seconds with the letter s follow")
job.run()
4h22
